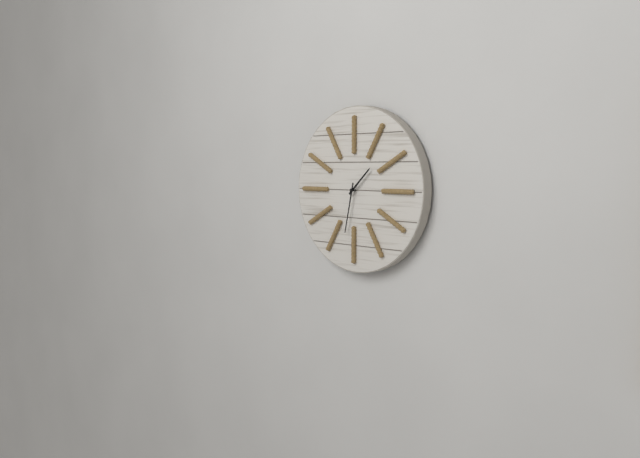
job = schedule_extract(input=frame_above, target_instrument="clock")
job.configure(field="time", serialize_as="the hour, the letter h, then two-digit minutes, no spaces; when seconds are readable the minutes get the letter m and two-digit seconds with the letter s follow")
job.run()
1h32
